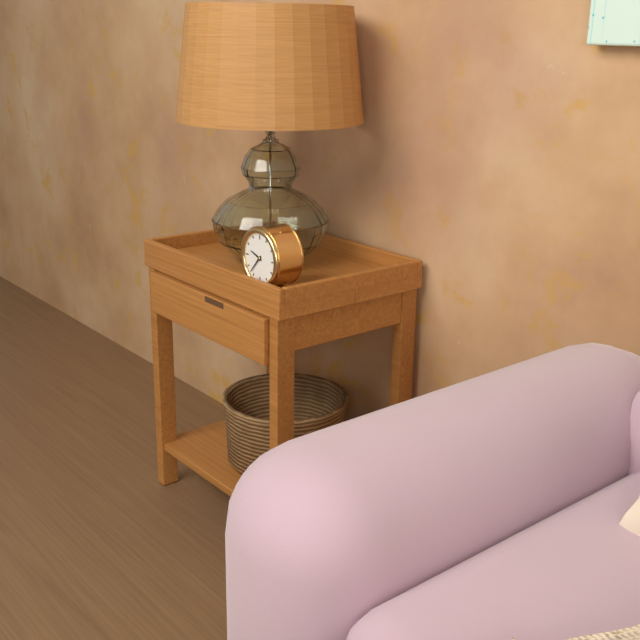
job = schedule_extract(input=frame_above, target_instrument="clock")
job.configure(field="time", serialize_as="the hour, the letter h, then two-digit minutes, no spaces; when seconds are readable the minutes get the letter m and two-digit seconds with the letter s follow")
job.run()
9h37
